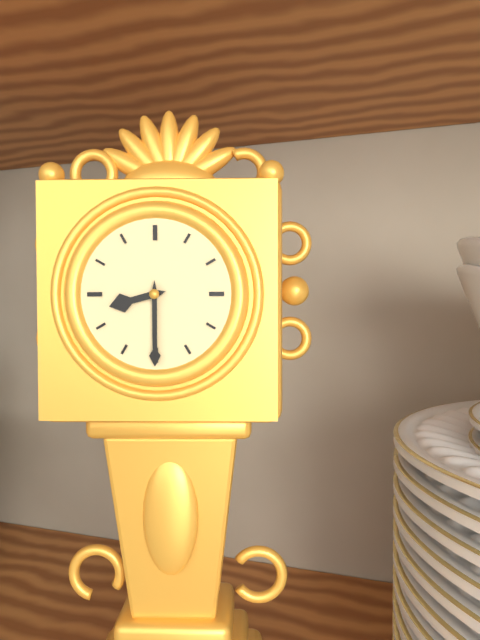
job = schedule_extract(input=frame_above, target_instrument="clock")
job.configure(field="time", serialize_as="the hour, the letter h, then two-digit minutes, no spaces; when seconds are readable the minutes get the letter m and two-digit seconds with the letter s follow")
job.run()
8h30
